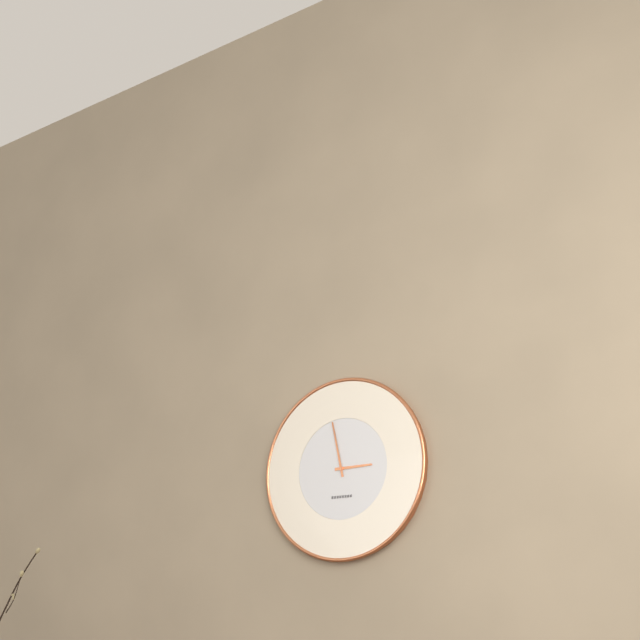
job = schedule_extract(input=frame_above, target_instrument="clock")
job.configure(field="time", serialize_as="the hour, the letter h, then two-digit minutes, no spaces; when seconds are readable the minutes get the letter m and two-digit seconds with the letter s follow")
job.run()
2h58
